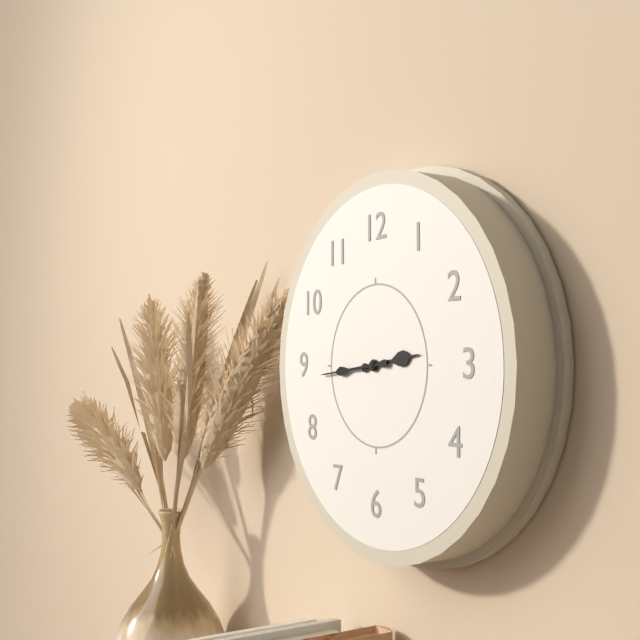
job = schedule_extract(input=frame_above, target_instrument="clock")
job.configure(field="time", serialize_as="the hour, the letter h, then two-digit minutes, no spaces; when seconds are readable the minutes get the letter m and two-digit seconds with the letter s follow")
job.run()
2h44
